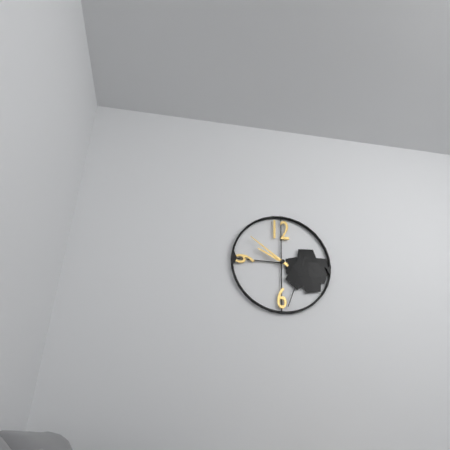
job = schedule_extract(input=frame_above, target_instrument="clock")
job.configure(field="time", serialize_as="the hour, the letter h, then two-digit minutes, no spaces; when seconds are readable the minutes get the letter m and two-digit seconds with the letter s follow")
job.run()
9h51
